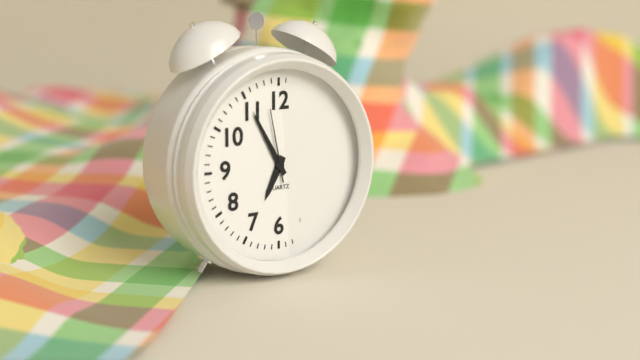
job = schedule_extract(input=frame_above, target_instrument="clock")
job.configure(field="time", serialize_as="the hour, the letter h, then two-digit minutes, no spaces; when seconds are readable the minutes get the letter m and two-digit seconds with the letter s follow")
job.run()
6h55m58s
